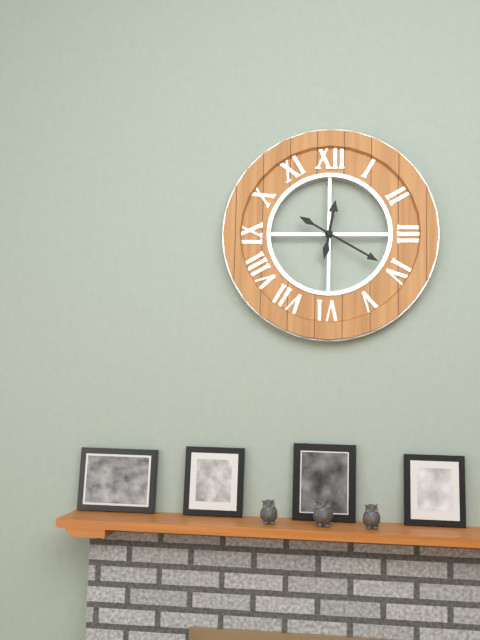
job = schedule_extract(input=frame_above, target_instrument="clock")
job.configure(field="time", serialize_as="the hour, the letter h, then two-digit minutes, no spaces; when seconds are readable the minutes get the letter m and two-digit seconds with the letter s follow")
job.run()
12h20
